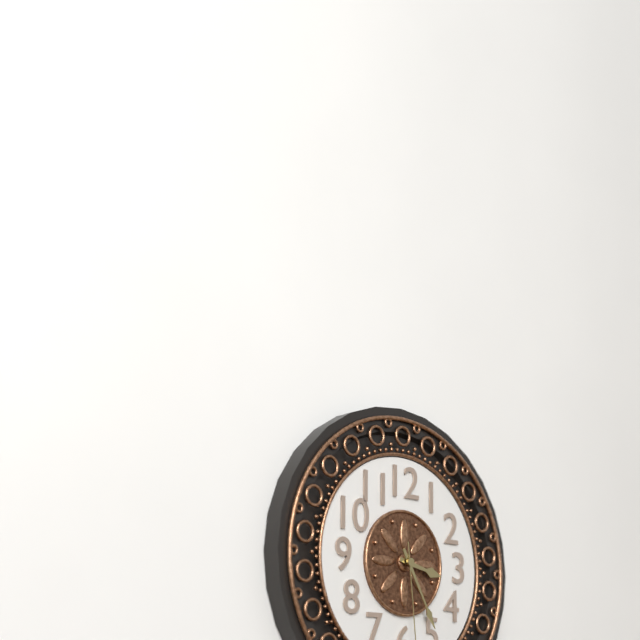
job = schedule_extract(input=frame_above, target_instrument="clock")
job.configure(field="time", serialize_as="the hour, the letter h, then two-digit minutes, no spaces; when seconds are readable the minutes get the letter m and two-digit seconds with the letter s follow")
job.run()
3h25
